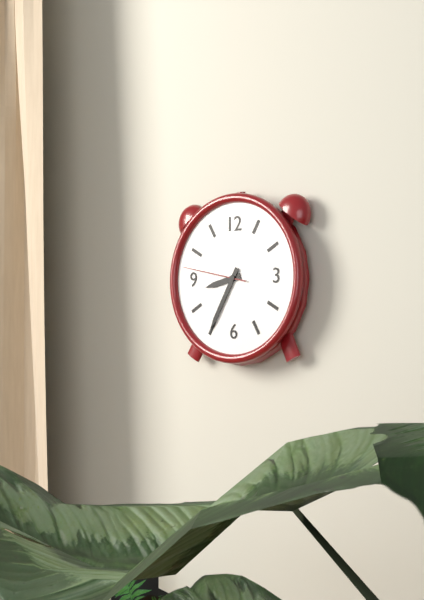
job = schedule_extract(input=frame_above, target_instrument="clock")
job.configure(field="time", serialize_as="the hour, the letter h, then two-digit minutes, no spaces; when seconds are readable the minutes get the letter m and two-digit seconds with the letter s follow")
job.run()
8h35m47s
